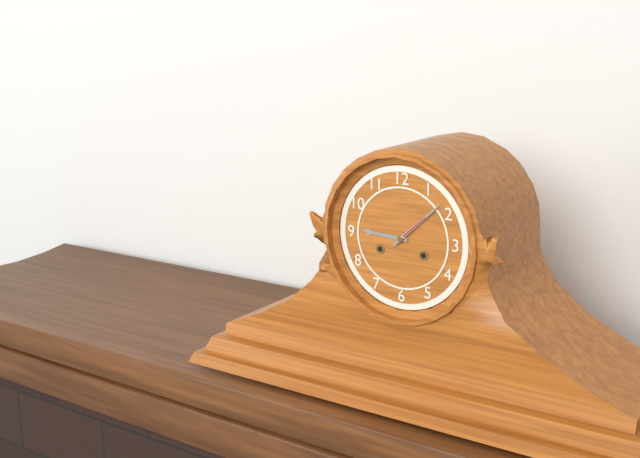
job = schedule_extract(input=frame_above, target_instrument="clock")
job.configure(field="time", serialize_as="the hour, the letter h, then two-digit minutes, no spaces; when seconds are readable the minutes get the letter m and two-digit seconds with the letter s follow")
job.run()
9h08
